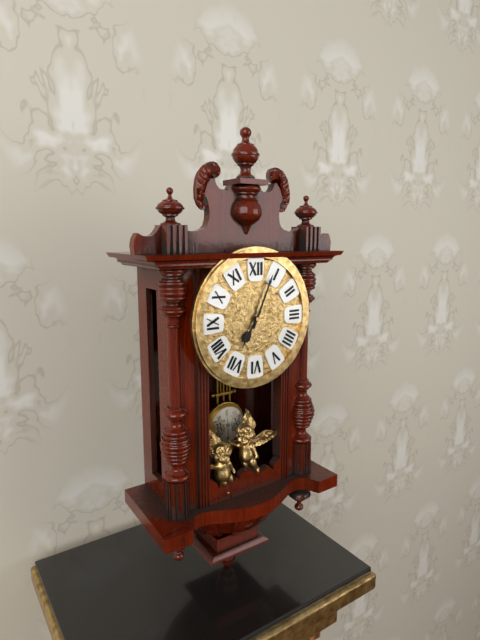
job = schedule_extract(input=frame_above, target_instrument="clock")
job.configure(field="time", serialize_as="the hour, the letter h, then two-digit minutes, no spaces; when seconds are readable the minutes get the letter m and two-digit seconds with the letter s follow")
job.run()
7h04
